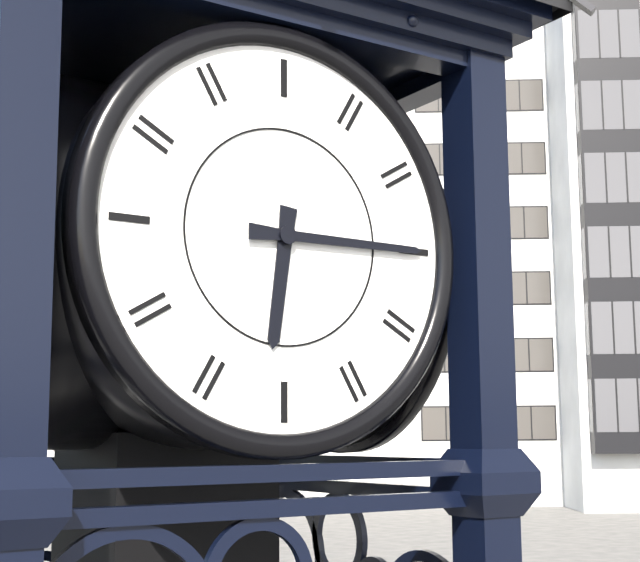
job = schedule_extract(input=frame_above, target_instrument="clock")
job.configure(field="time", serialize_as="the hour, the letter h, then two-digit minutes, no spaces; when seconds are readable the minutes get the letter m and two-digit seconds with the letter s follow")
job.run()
6h15
